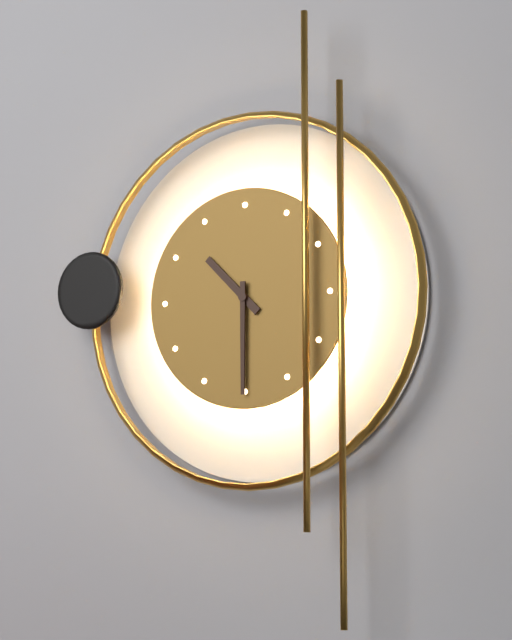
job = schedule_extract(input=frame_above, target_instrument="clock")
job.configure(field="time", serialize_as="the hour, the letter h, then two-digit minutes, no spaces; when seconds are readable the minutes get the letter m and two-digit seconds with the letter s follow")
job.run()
10h30
